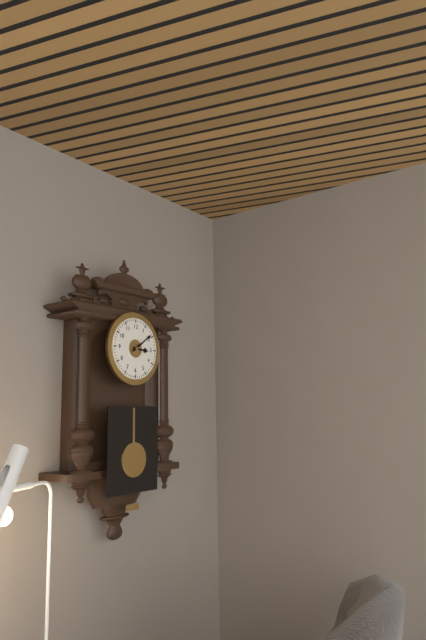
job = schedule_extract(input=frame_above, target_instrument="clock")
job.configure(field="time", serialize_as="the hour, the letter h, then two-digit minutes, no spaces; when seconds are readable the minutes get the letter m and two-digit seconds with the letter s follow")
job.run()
3h09
